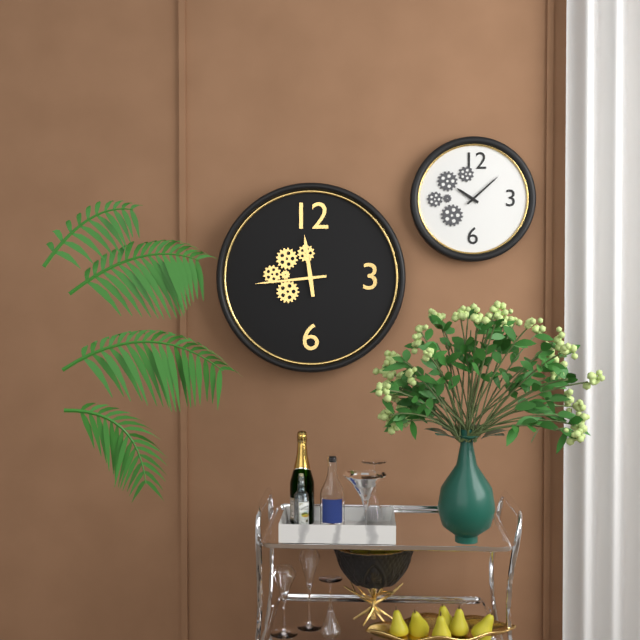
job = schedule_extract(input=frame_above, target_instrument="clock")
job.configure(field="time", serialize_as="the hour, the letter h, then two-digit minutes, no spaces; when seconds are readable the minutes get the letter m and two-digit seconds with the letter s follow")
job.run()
11h44
